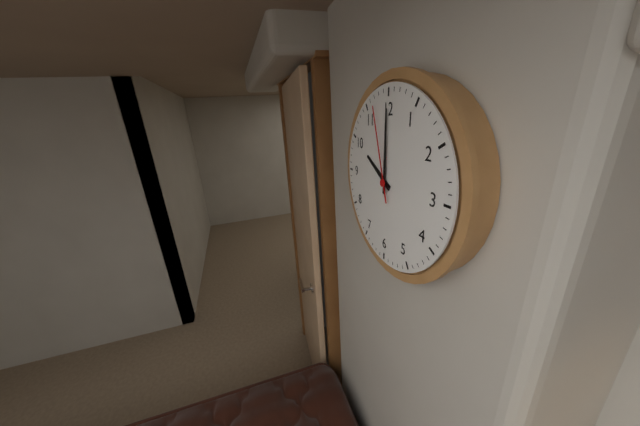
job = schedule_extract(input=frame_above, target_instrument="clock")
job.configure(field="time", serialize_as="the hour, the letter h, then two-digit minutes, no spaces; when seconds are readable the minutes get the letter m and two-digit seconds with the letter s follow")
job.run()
10h00m57s
